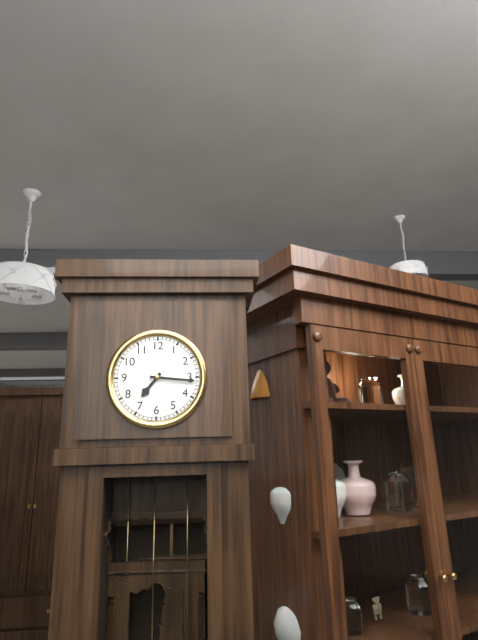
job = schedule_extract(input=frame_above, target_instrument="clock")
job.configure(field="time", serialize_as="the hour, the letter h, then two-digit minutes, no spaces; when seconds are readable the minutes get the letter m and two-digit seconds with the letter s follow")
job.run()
7h16
